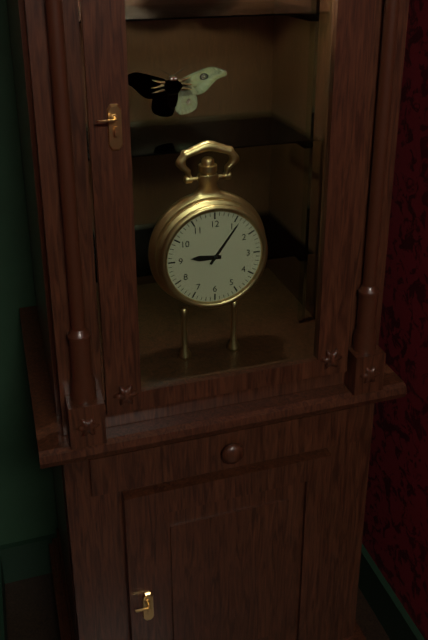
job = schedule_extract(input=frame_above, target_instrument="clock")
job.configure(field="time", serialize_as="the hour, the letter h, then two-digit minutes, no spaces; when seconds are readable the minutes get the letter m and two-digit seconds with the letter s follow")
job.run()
9h06
